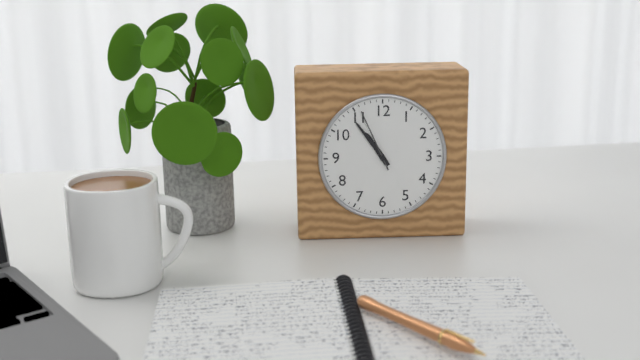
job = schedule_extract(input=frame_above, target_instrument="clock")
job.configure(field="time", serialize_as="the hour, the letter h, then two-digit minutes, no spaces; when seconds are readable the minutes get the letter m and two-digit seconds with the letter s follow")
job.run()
10h54m56s
